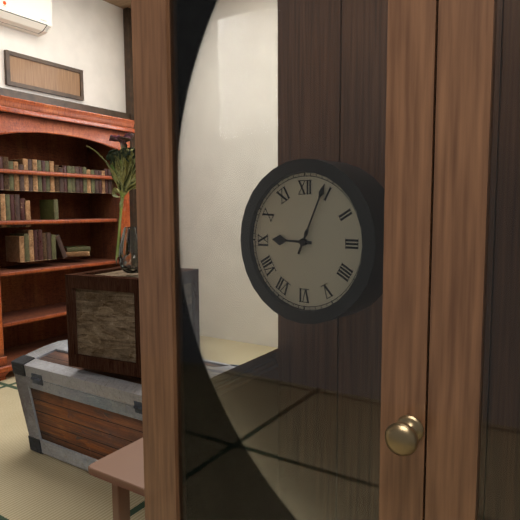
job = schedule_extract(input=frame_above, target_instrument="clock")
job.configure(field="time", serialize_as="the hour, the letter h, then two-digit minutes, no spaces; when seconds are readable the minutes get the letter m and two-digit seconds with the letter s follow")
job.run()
9h04
